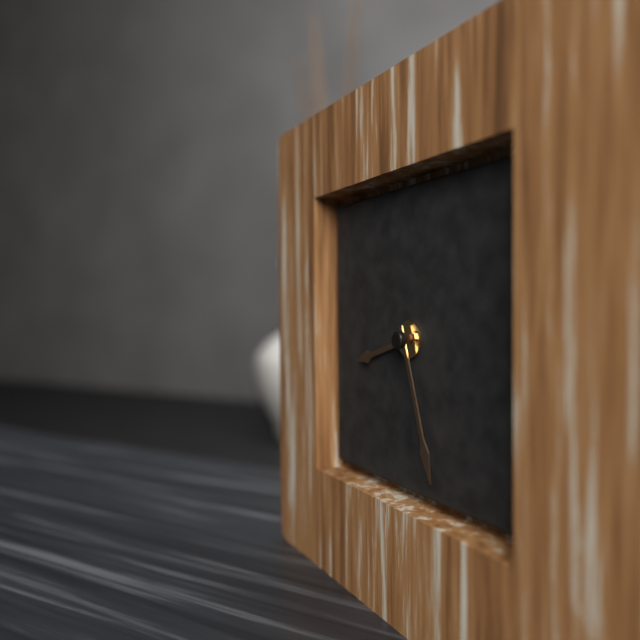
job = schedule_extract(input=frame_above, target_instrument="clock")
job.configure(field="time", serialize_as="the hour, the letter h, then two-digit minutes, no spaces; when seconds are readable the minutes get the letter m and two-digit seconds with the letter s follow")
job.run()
8h27
